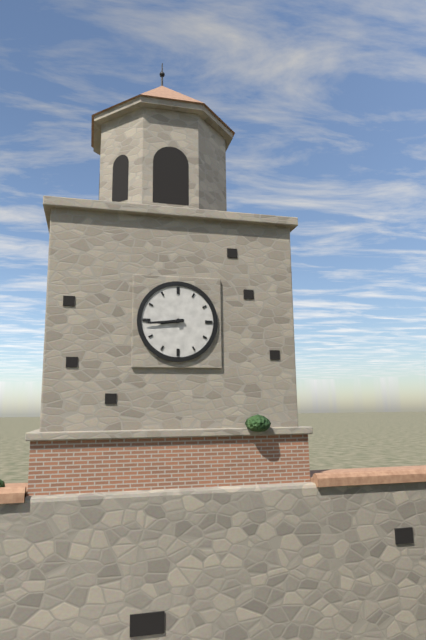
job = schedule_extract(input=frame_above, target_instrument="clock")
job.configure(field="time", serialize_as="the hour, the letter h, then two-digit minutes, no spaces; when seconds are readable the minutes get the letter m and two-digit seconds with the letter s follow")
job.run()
8h44
